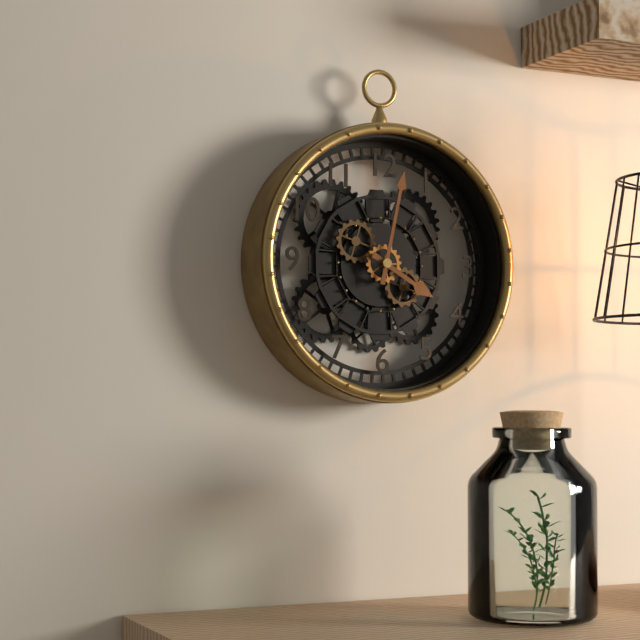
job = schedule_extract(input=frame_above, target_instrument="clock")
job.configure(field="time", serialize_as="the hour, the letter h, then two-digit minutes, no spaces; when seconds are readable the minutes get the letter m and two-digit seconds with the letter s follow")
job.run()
4h02
